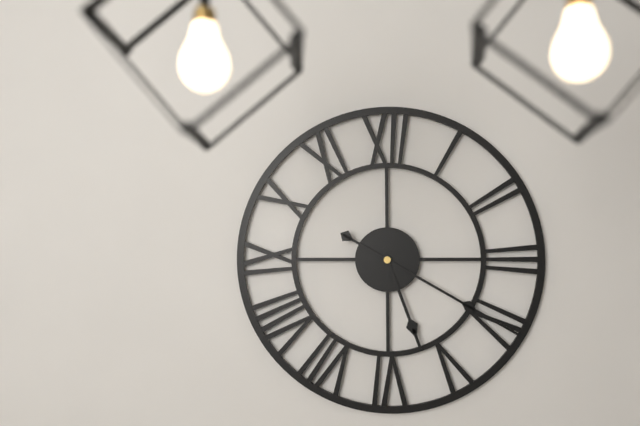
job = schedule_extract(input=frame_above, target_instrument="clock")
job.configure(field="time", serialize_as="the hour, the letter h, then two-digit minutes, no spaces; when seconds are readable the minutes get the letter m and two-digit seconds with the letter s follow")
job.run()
5h20
